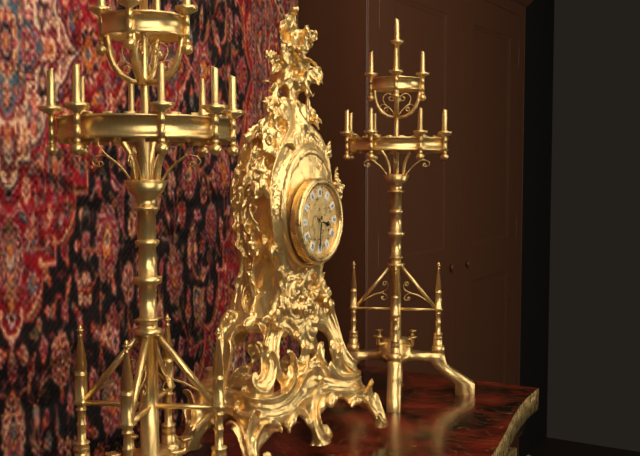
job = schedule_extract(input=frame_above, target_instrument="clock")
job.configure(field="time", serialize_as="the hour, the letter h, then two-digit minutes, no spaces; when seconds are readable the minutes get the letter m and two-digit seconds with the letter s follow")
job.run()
3h31
